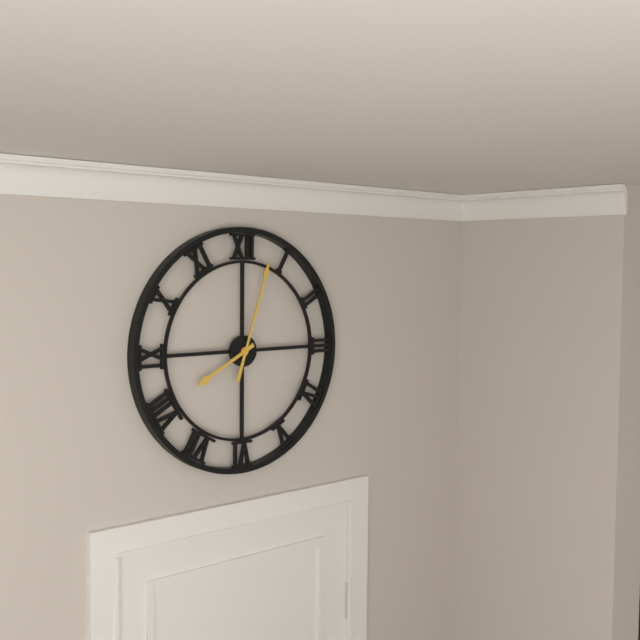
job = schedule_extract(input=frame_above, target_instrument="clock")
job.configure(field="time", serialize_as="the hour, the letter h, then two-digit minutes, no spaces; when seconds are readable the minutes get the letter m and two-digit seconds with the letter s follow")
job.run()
8h03
